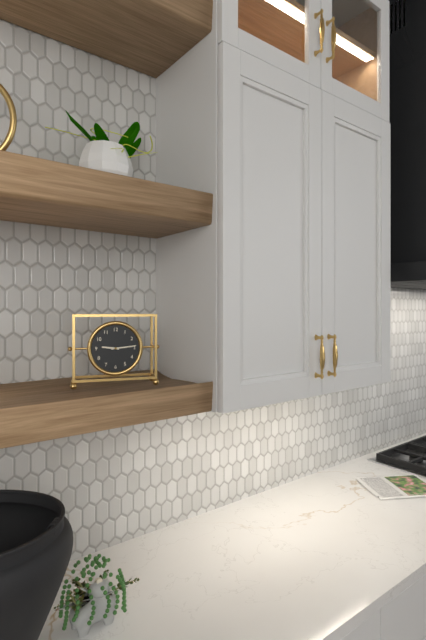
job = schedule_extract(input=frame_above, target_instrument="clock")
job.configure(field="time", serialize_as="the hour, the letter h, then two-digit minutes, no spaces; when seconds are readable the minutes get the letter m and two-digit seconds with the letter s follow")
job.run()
9h14
